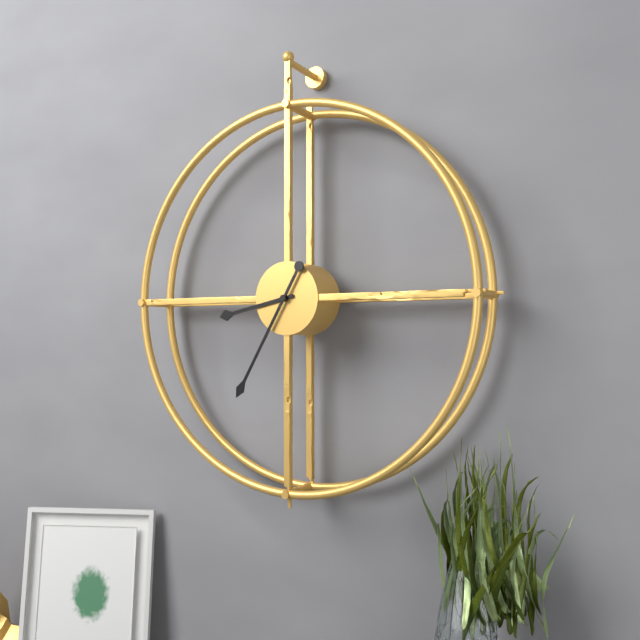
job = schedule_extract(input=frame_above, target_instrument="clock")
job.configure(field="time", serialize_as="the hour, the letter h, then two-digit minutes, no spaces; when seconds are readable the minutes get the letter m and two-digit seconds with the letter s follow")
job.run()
8h35
